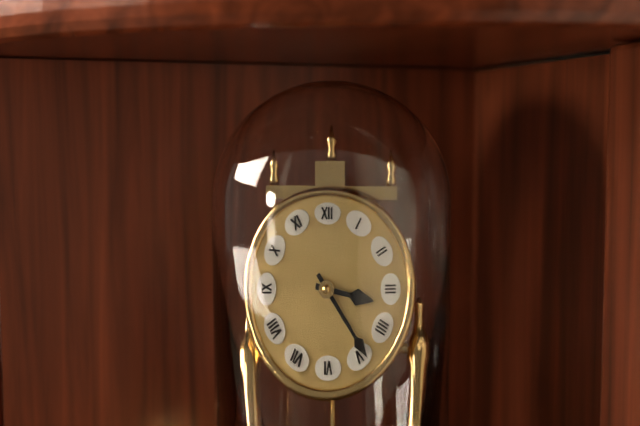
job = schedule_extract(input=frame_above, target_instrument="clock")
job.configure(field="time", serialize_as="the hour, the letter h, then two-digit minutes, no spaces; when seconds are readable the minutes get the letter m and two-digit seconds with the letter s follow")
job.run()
3h24
